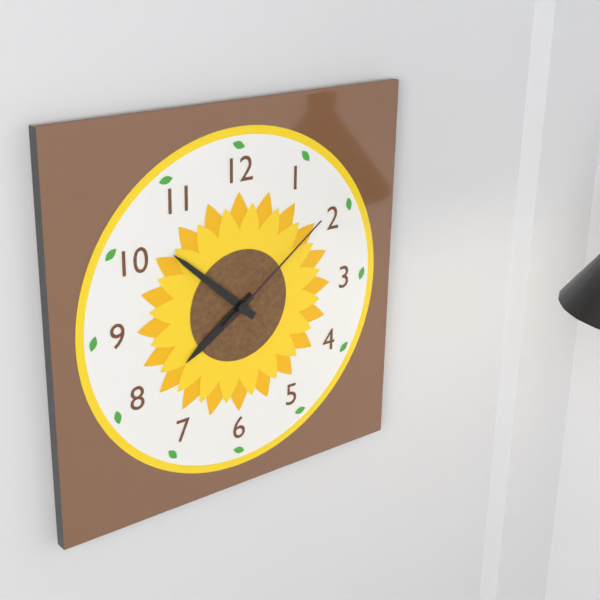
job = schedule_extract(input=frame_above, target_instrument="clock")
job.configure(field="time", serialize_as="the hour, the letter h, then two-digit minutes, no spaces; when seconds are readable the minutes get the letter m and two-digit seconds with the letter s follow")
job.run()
7h52m09s
